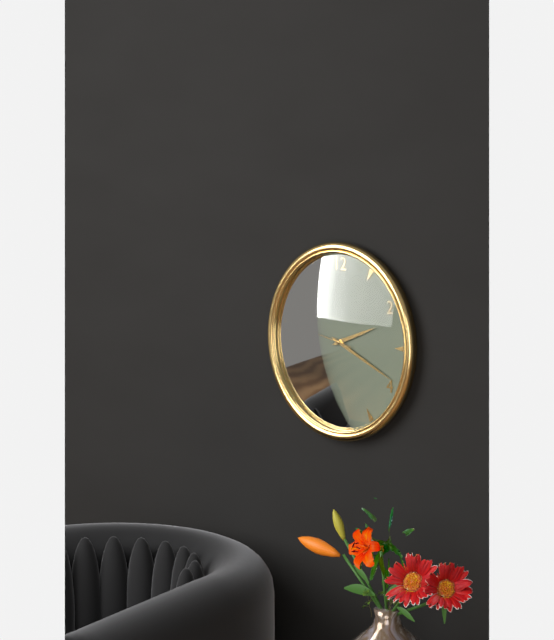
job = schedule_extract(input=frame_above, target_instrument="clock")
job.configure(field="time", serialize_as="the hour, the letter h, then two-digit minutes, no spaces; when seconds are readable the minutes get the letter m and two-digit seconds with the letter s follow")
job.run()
2h19m47s
